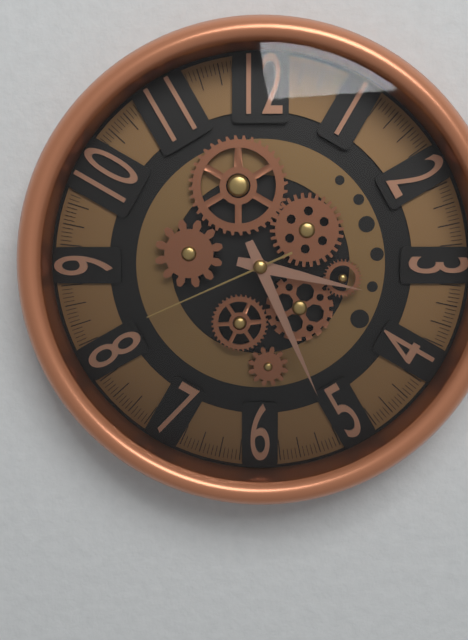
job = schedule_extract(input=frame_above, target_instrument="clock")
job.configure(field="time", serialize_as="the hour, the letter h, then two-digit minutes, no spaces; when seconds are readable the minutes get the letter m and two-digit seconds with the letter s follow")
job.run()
3h26m41s
